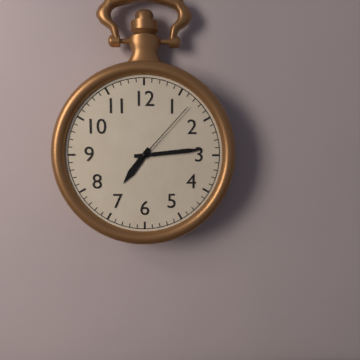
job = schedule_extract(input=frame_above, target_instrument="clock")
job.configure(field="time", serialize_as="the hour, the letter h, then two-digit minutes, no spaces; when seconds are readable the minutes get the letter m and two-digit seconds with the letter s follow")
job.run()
7h14m07s
